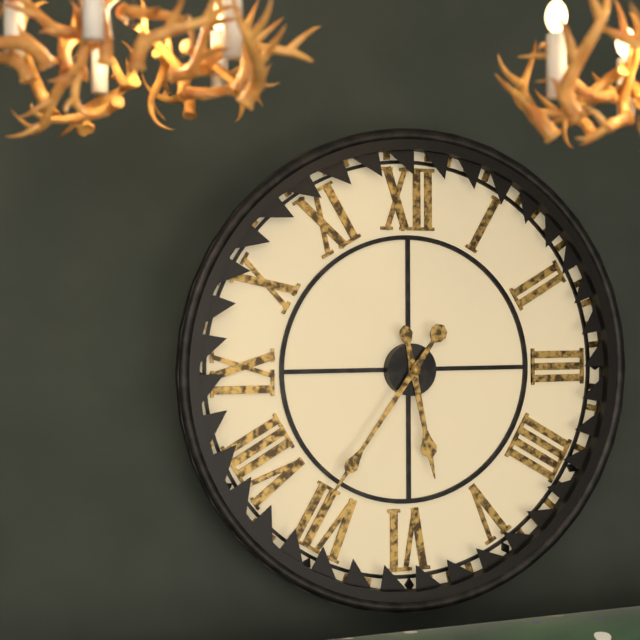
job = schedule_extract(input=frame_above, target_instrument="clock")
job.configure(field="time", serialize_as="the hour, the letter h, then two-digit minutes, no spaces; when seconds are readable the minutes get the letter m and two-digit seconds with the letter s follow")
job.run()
5h36
